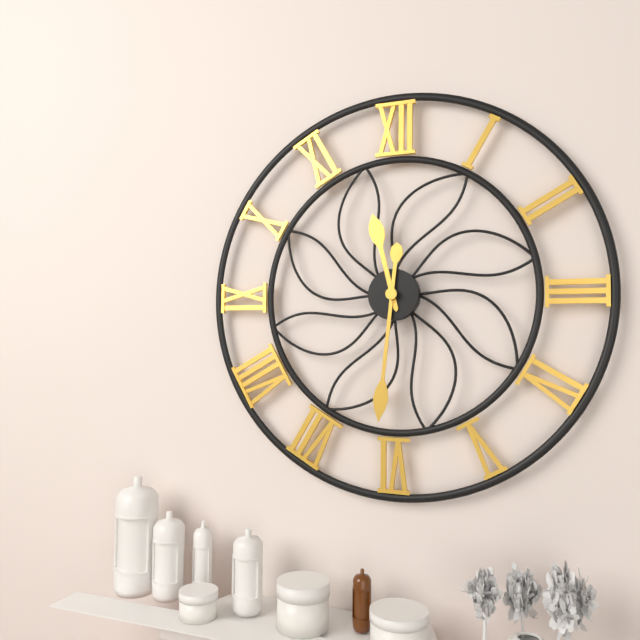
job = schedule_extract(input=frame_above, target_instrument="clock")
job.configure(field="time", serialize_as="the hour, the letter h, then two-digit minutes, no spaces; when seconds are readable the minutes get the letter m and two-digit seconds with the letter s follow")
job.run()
11h31
